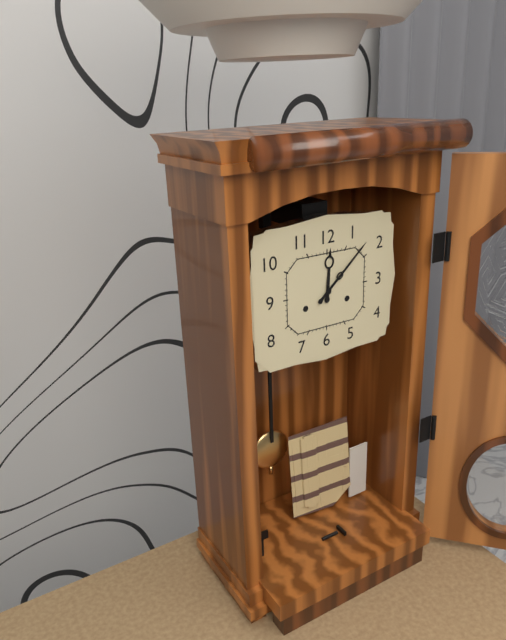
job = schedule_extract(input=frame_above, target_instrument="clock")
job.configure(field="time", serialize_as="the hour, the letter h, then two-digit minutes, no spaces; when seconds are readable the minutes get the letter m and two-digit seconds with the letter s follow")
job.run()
12h08
